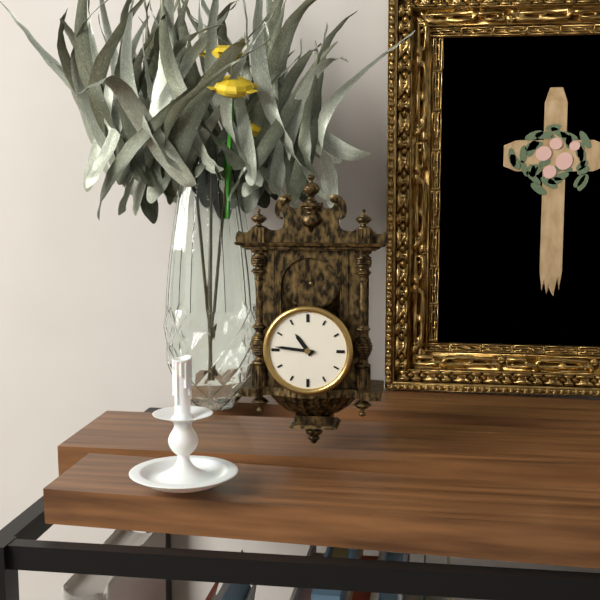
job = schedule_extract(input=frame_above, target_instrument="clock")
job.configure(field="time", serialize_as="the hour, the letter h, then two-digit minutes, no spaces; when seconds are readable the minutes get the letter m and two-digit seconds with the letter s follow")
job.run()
10h46
